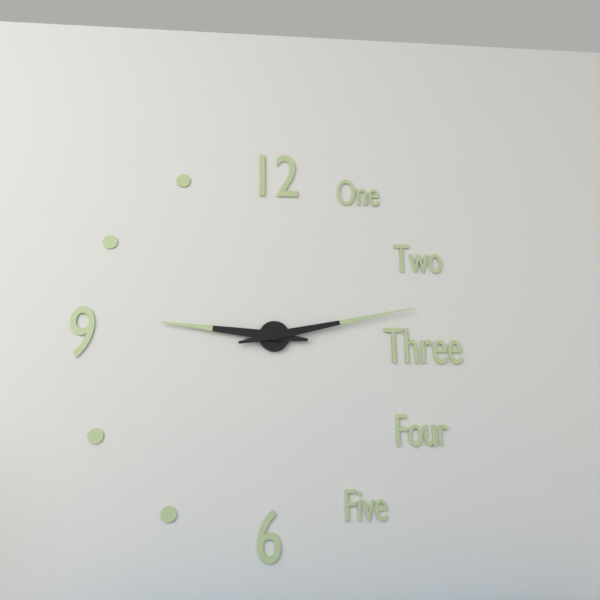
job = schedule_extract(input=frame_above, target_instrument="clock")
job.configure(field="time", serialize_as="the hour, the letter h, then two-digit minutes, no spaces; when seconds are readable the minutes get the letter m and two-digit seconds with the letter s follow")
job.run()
9h13
